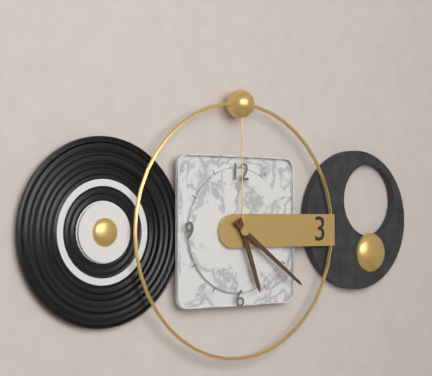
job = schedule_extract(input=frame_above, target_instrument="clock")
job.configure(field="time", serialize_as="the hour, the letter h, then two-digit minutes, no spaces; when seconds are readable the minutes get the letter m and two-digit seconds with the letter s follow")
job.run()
5h21
